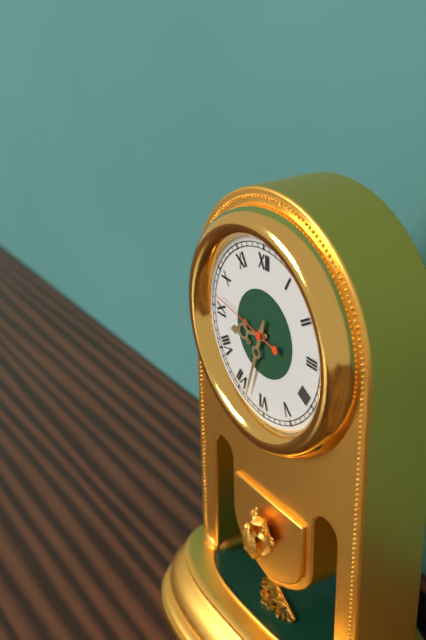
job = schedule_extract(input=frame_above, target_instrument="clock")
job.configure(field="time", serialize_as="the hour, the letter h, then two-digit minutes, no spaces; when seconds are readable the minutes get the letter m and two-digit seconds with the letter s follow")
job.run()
8h33m47s
